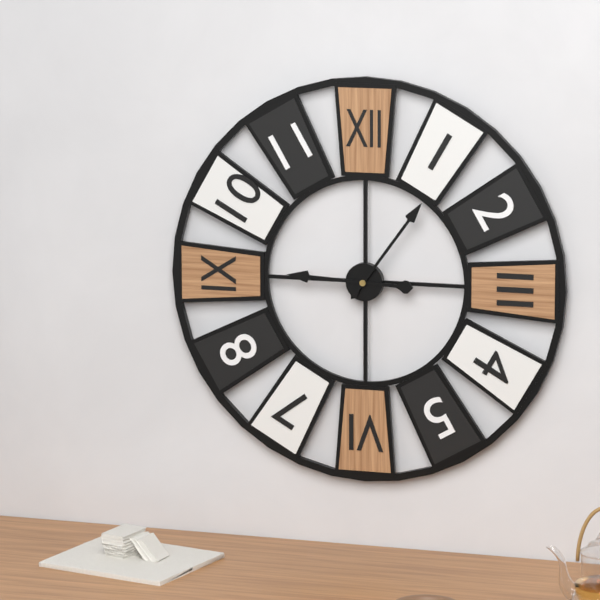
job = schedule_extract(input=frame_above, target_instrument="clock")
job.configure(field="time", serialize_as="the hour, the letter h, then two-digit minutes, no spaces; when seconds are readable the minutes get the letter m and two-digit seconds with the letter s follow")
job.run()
9h06
